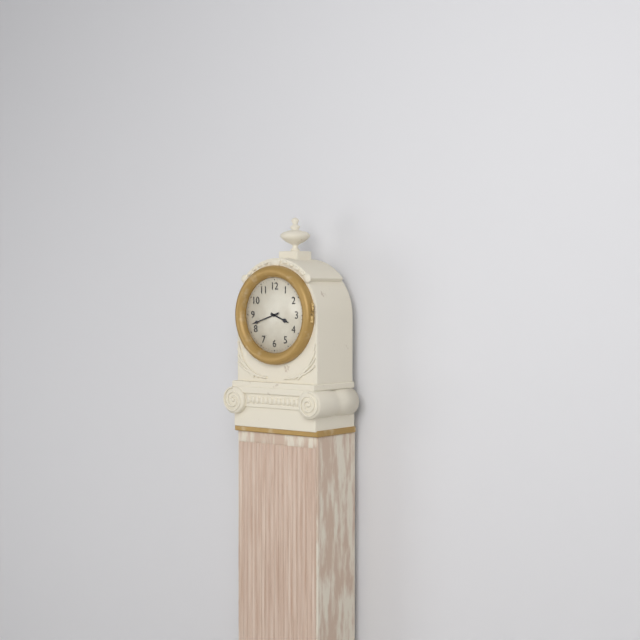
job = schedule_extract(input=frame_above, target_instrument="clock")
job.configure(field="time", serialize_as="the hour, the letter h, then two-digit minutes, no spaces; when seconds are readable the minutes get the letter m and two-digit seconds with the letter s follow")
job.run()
3h42
